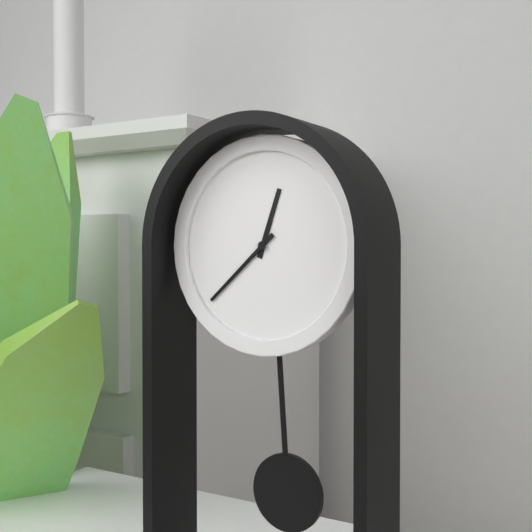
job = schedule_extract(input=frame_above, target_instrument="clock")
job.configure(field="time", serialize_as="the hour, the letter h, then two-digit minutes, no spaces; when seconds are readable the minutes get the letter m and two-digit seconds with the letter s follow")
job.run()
12h38
